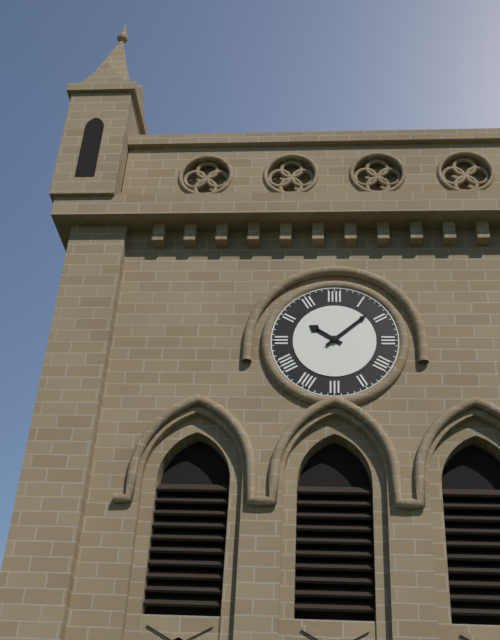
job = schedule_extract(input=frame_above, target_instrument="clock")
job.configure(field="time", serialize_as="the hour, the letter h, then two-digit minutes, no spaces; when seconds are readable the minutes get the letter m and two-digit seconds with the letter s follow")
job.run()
10h08
